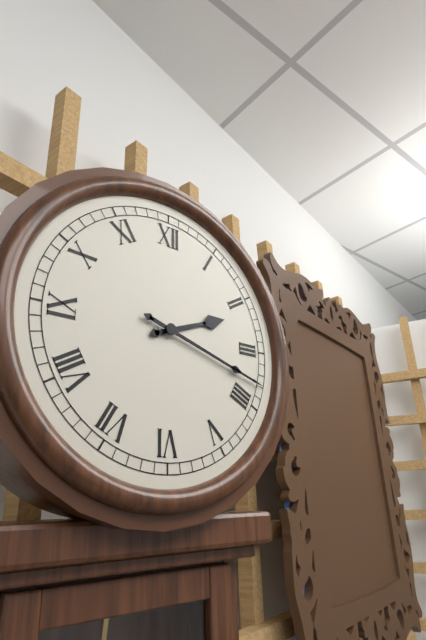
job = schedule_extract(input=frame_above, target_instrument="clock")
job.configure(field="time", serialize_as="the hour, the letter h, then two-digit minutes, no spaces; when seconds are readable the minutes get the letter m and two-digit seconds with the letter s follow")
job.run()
2h18
